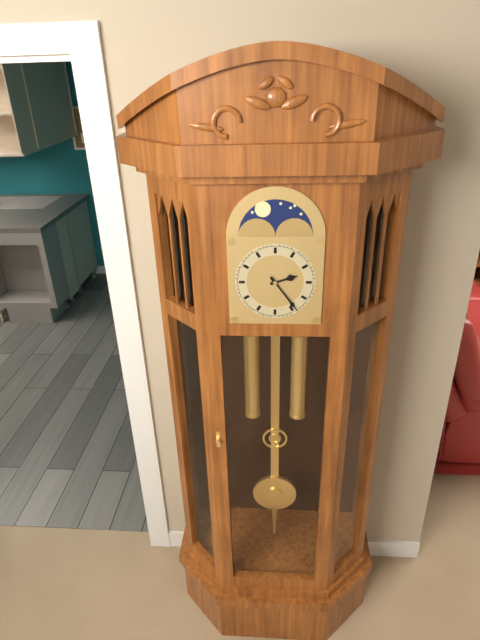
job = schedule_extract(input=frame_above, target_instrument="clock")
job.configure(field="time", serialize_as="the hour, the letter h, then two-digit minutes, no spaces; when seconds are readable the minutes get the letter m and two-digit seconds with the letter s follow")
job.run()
2h24
